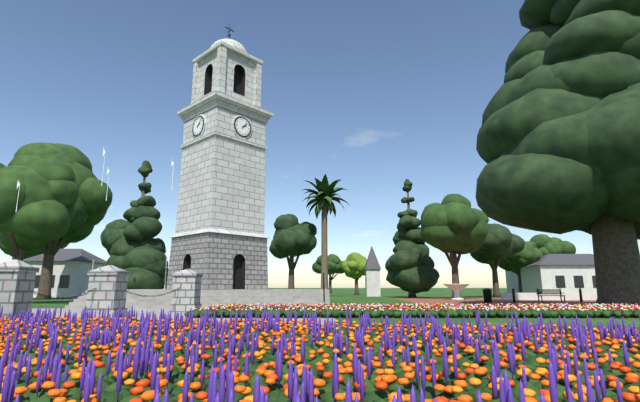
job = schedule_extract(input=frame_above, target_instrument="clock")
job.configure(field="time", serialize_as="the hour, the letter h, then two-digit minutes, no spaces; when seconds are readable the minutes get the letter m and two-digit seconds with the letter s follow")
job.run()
2h07
